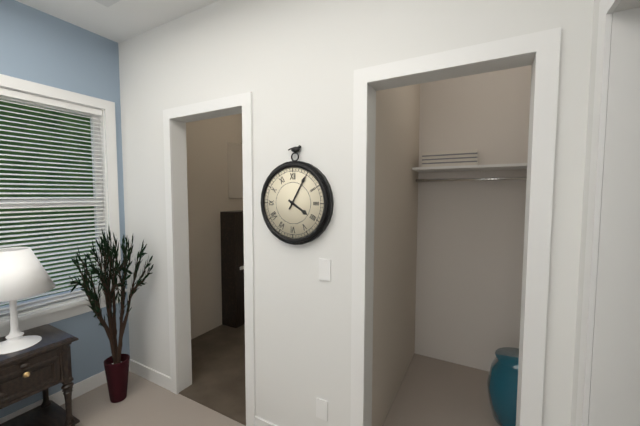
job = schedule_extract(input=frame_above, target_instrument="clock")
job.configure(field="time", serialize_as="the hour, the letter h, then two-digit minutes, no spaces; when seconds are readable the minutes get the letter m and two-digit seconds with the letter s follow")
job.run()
4h05
